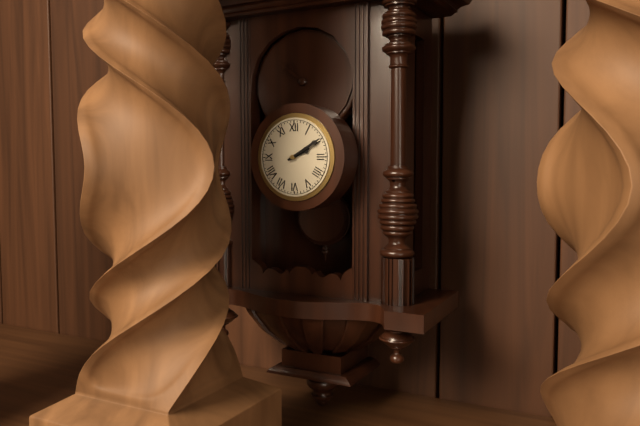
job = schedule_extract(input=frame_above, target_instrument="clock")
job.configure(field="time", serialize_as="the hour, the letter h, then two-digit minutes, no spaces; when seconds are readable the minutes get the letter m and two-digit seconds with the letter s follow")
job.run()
2h10
